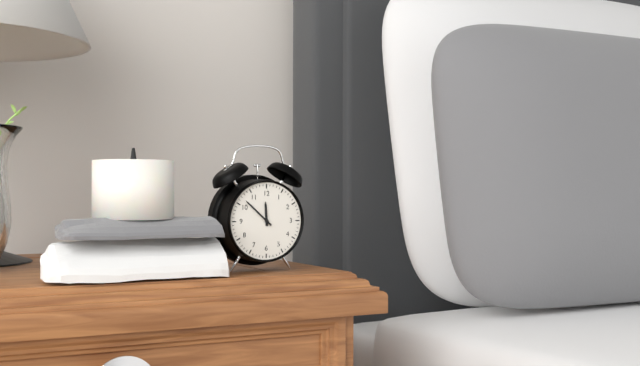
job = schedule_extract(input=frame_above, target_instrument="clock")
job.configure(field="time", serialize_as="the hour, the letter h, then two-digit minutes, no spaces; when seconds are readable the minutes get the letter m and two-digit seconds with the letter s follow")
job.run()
11h52
